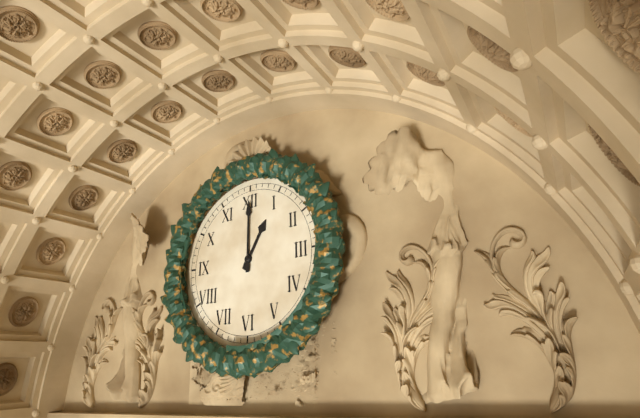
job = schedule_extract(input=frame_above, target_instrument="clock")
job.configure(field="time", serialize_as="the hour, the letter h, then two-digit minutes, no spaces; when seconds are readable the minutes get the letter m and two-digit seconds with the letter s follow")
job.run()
1h00
